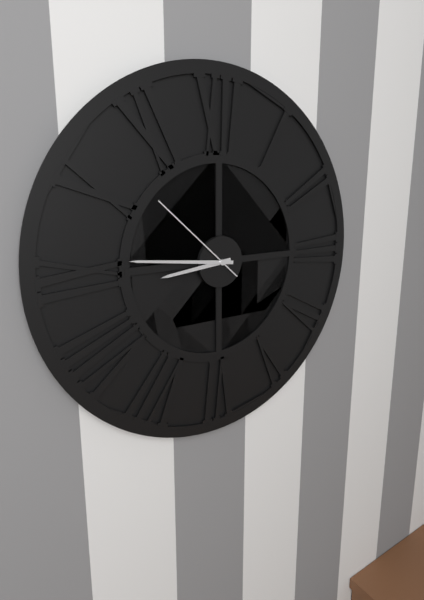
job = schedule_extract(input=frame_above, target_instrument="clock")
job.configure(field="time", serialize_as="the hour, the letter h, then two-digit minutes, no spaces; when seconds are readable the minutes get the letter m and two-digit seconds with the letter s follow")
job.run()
8h46m52s
